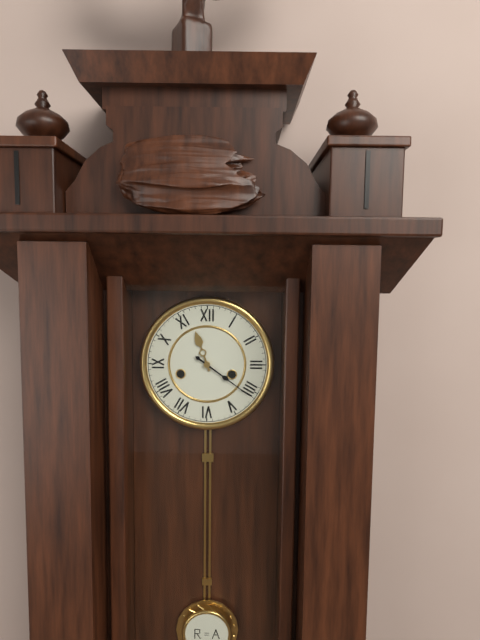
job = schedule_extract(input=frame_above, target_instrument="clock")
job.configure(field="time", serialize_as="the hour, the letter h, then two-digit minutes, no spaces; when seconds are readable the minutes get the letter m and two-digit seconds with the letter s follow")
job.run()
11h21
